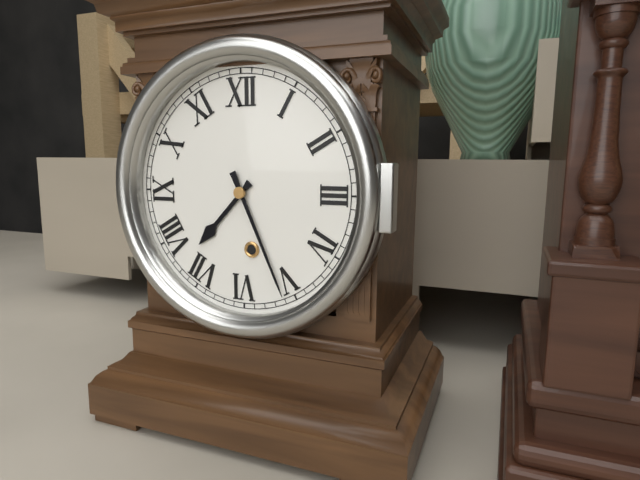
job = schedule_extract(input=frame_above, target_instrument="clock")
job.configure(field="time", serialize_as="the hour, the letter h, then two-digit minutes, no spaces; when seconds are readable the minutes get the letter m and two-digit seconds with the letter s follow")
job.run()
7h26
